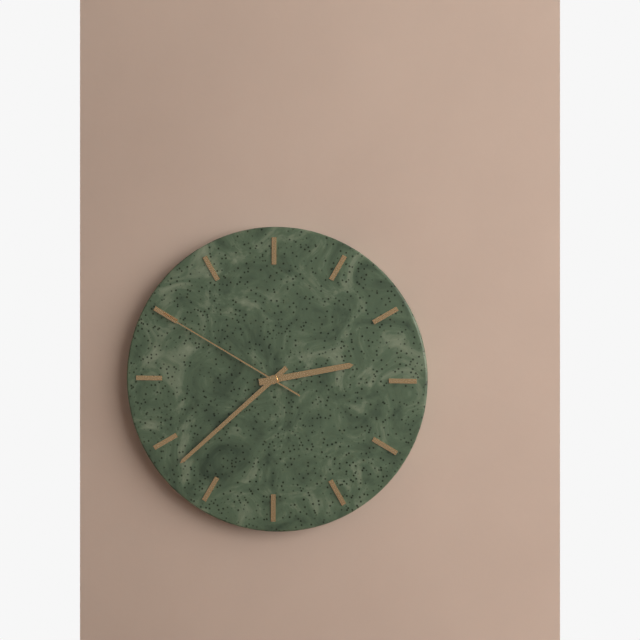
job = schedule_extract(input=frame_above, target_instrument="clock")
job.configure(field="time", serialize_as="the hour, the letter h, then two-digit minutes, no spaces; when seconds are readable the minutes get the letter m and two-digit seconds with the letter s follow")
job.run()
2h38m50s
